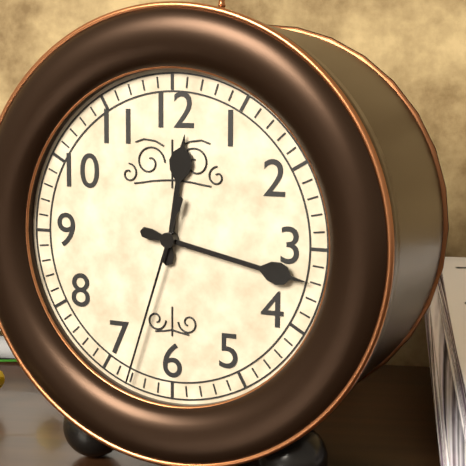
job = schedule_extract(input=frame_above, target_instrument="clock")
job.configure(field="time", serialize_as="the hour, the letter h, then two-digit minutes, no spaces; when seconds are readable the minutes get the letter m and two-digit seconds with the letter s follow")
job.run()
12h17m33s
